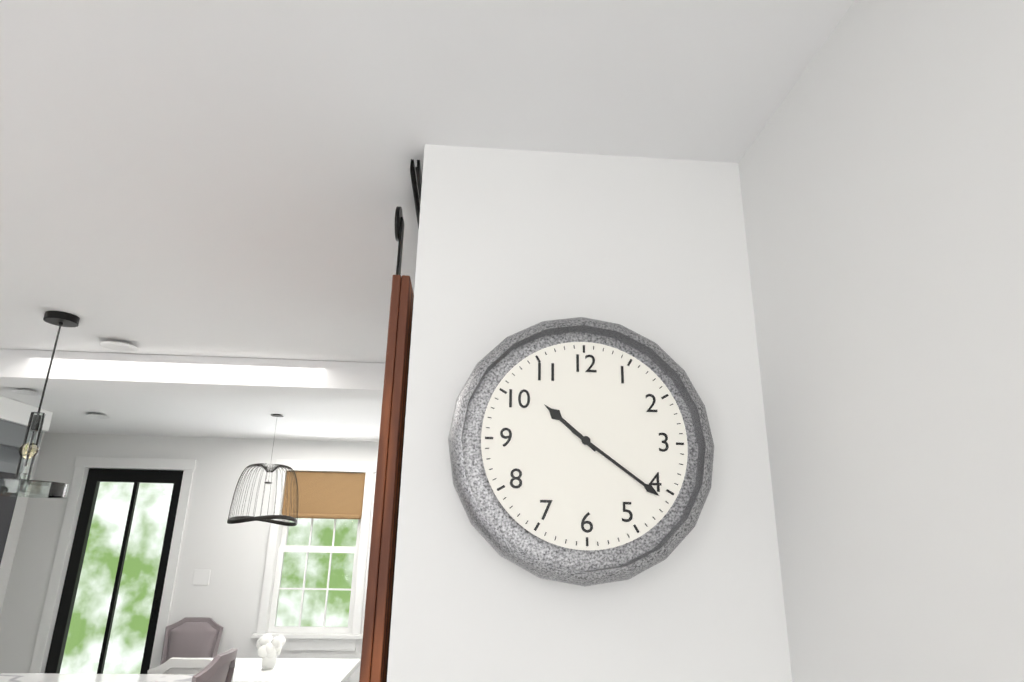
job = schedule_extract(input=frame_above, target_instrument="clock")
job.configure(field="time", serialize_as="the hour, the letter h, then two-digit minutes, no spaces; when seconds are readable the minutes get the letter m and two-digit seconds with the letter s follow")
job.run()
10h21
